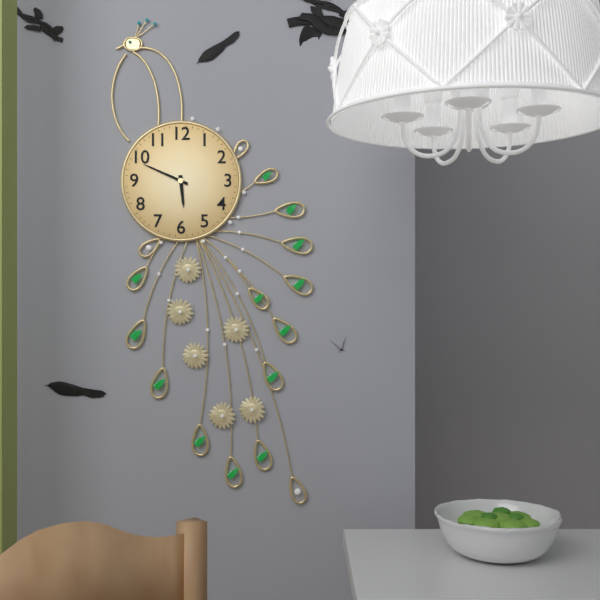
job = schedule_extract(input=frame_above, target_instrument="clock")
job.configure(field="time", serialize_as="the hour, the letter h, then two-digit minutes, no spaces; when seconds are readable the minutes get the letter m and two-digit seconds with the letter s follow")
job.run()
5h49
